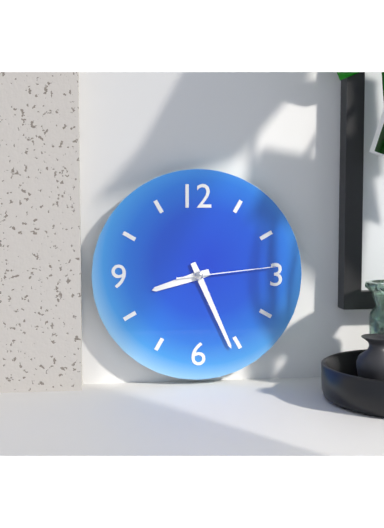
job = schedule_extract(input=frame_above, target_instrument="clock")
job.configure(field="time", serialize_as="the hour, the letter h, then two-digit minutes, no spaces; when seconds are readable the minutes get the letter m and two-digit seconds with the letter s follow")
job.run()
8h26m14s
